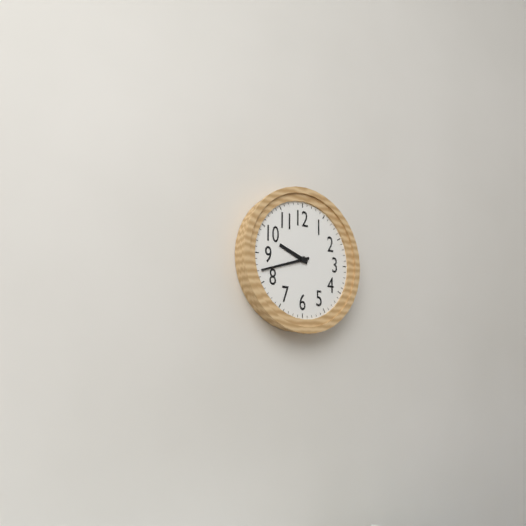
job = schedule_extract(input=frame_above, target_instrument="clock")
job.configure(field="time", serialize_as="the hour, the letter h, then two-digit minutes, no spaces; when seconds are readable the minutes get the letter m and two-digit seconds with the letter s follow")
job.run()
9h42
